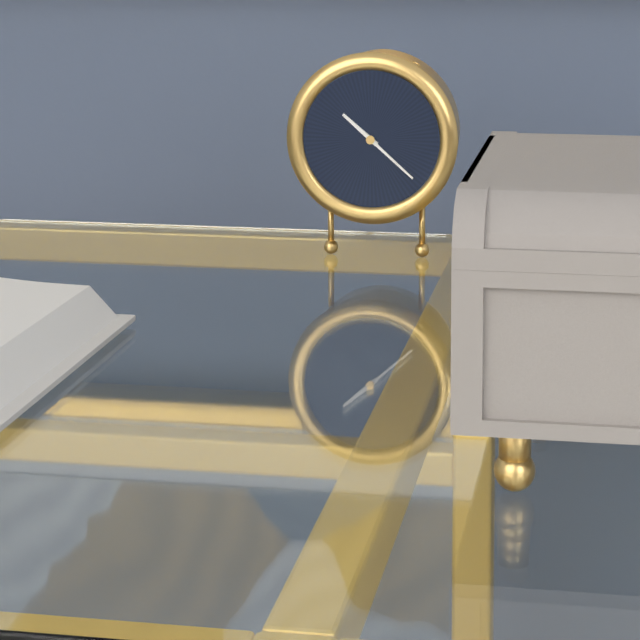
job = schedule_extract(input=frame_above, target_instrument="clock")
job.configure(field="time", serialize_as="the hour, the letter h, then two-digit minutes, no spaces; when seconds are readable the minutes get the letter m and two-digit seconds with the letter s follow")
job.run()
10h22
